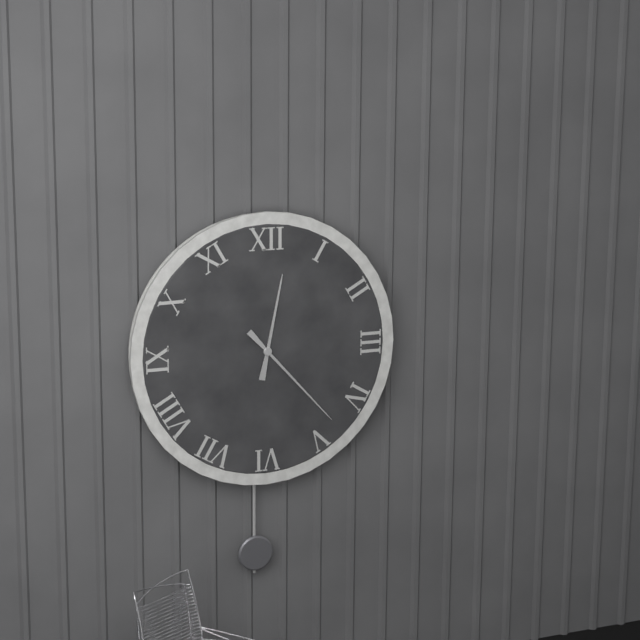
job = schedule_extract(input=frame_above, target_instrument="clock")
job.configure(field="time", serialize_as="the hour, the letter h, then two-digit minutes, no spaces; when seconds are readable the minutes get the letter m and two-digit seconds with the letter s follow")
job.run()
12h23
